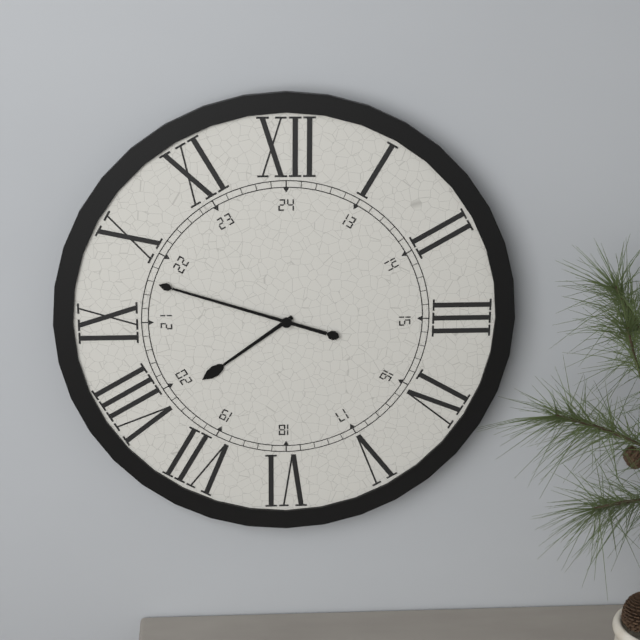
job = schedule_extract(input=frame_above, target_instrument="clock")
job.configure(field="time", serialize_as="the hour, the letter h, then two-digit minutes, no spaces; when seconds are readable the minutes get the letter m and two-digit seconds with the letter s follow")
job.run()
7h48
